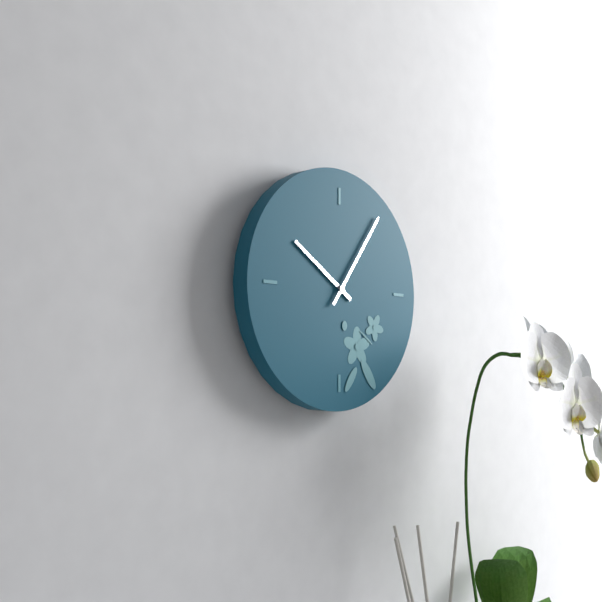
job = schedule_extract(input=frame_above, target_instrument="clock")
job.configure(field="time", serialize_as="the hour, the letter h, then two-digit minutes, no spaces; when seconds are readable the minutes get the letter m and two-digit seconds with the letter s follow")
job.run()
10h06
